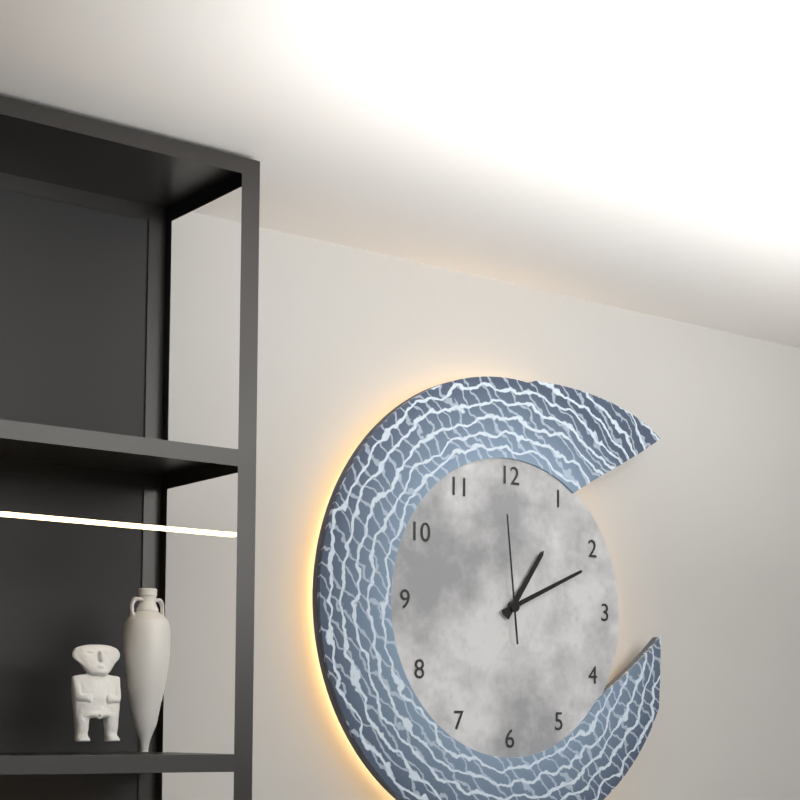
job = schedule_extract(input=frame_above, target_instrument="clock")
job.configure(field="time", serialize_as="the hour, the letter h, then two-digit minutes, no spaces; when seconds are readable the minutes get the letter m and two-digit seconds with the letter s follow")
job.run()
1h11m59s
